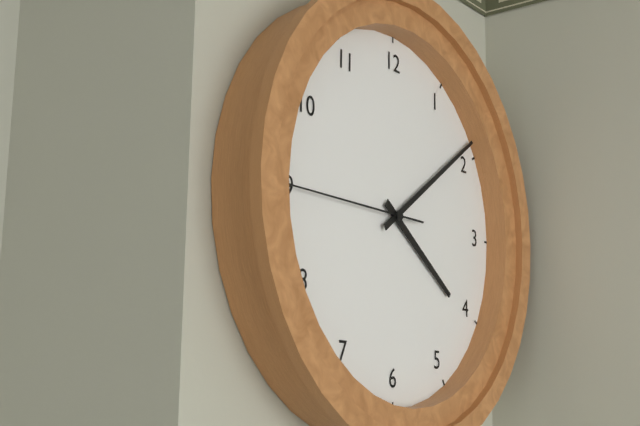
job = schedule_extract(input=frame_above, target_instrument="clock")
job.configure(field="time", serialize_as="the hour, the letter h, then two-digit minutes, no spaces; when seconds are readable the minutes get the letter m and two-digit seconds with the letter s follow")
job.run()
4h09m45s
